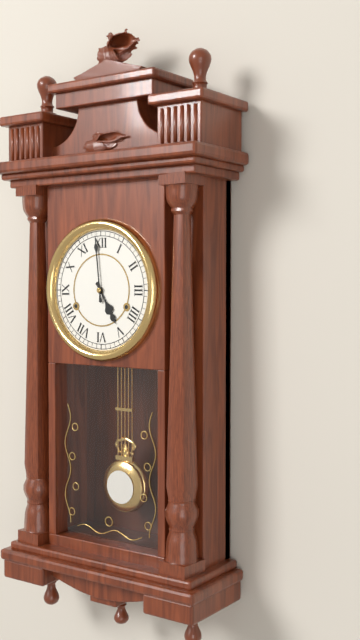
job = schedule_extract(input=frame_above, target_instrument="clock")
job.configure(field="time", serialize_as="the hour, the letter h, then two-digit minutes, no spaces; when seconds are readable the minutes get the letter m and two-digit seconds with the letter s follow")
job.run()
4h59
